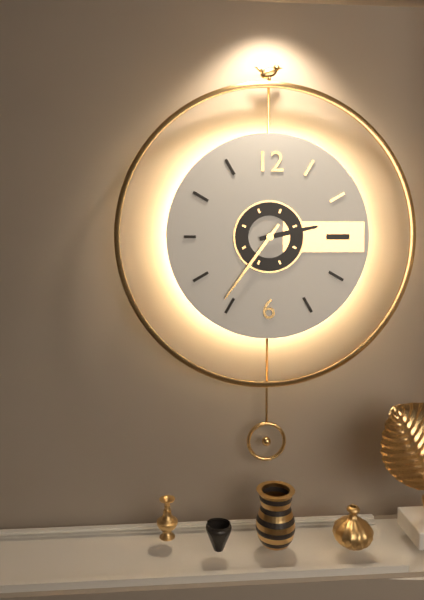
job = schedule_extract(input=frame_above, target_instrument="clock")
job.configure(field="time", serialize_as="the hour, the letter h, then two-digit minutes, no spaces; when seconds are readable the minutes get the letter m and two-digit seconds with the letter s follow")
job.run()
2h36
